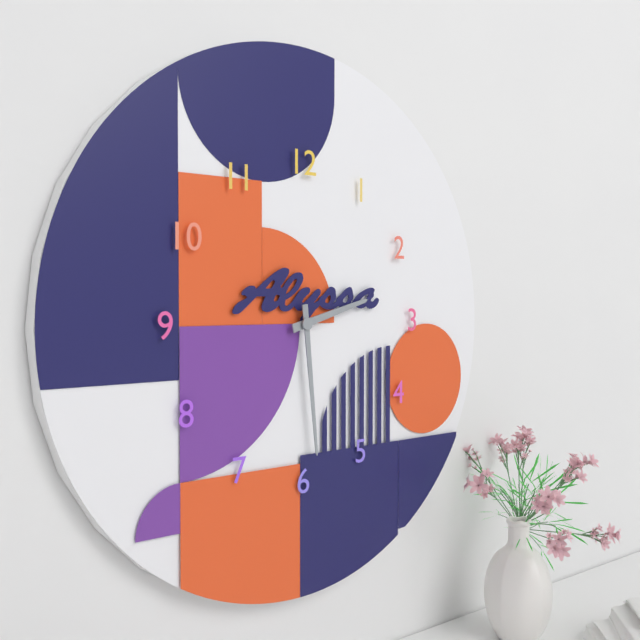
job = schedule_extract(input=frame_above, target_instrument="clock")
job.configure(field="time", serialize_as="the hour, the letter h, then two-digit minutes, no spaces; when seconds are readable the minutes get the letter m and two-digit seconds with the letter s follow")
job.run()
2h29
